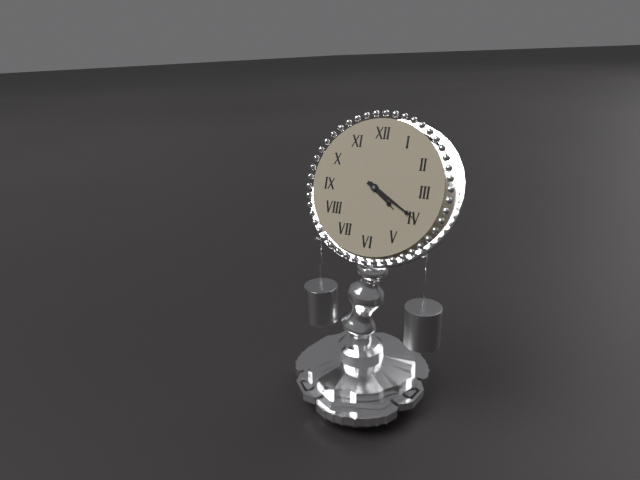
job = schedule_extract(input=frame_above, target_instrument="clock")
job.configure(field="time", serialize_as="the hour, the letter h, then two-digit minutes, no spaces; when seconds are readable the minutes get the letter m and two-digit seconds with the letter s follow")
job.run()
4h20
